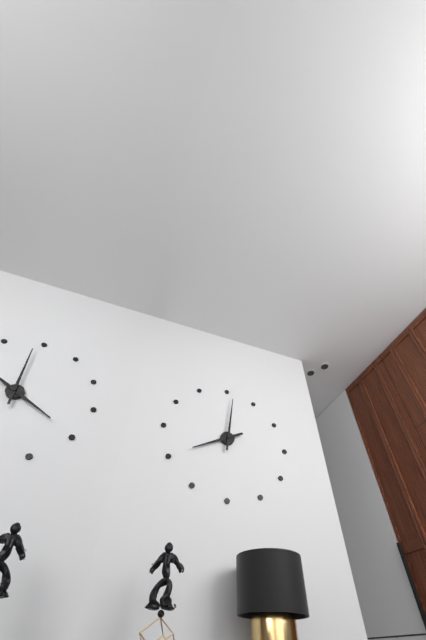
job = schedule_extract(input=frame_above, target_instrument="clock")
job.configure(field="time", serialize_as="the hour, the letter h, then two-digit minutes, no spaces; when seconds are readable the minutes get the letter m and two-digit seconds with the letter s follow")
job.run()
8h01
